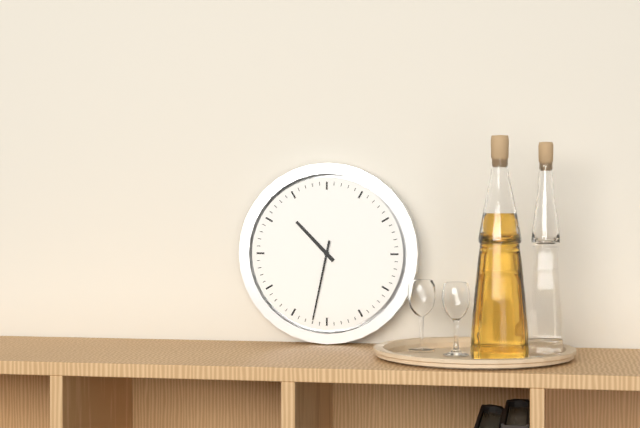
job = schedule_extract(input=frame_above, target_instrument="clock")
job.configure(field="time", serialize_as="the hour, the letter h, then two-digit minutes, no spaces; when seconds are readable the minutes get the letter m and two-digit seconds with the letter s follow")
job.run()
10h32
